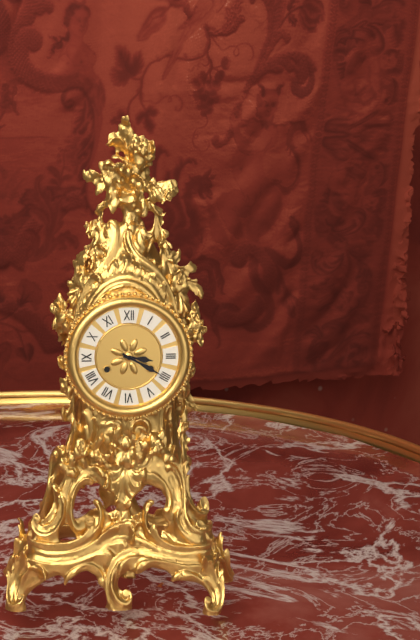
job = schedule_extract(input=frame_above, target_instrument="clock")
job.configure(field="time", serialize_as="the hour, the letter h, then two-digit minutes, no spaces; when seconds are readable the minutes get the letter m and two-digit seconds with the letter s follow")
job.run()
3h20
